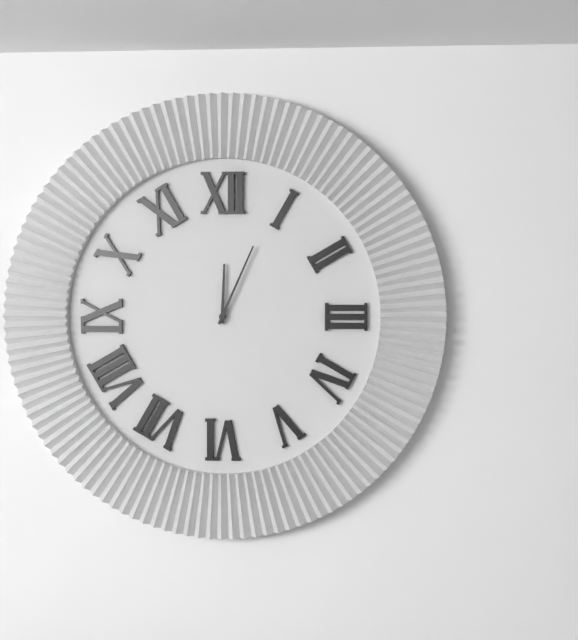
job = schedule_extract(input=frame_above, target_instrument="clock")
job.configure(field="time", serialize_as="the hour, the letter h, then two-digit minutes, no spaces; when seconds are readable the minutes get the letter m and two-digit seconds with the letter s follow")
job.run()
12h04
